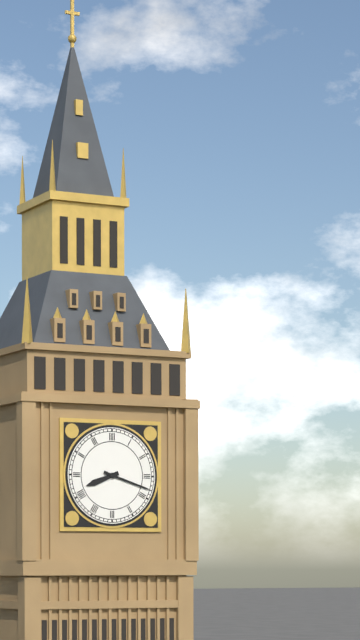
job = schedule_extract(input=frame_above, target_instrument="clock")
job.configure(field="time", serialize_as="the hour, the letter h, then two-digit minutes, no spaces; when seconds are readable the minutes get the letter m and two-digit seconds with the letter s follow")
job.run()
8h18
